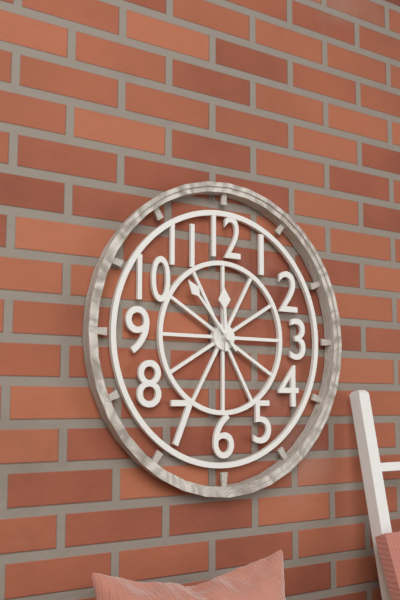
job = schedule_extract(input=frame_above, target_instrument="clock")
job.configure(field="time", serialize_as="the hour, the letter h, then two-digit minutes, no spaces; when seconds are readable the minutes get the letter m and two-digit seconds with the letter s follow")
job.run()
11h53
